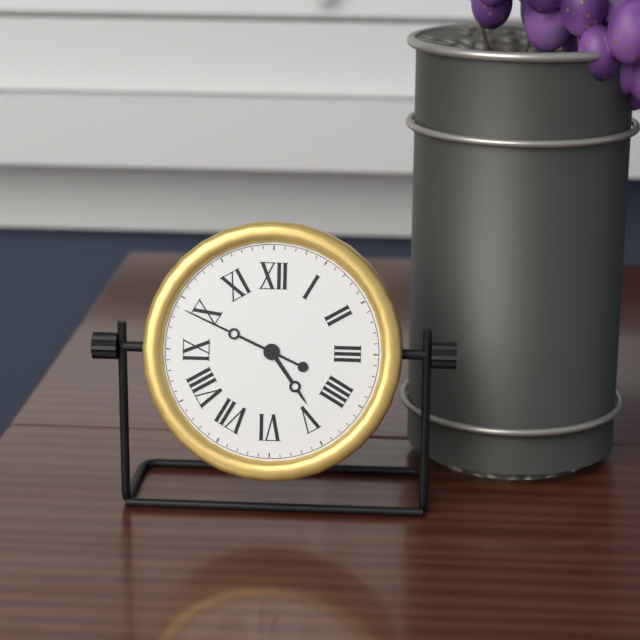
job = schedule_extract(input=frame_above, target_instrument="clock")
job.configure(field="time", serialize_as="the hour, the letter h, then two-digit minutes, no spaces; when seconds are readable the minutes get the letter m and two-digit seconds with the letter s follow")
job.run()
4h49
